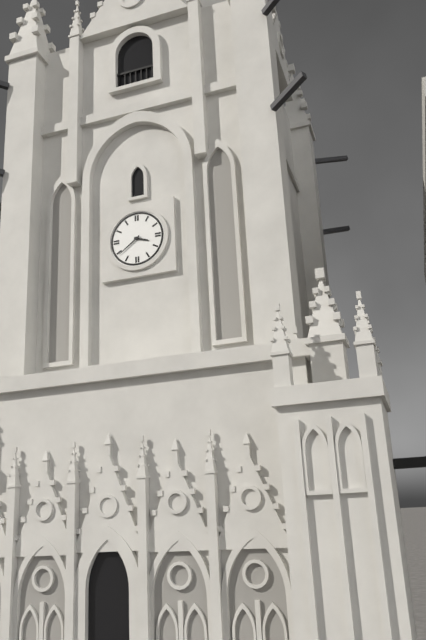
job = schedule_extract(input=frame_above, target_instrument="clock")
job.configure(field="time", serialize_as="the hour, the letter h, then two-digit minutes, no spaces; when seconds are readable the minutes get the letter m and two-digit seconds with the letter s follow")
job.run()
3h39
